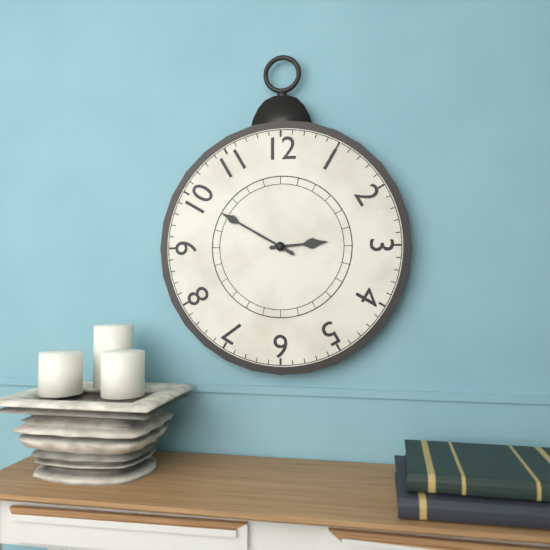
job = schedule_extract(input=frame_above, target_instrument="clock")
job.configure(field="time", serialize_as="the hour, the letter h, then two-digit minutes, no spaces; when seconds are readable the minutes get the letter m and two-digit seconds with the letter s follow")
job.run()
2h50
